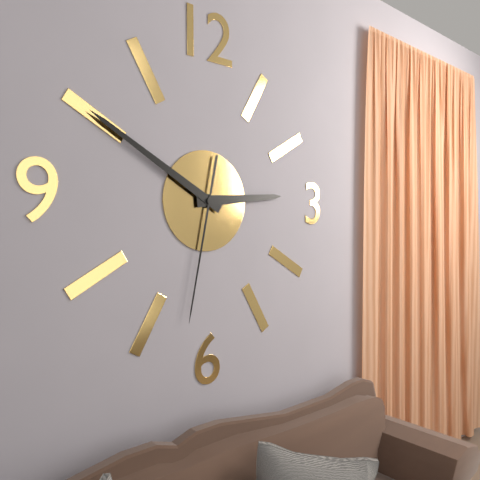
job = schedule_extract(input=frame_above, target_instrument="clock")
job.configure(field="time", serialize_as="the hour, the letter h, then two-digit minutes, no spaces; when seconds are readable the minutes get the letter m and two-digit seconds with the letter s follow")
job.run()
2h50m32s
